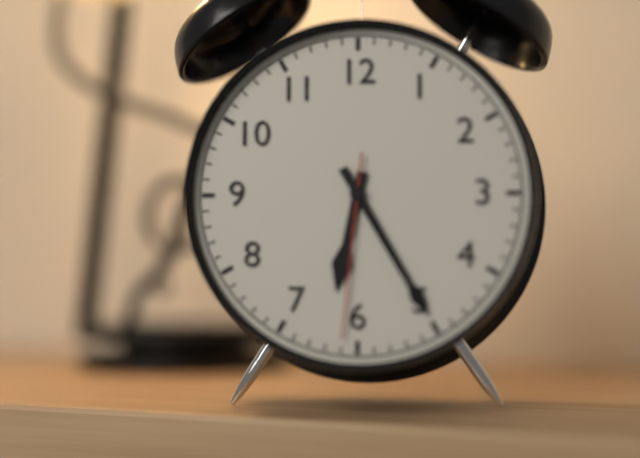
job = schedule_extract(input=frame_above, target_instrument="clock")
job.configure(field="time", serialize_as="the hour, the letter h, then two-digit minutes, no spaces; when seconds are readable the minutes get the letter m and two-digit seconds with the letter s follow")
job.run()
6h25m31s
